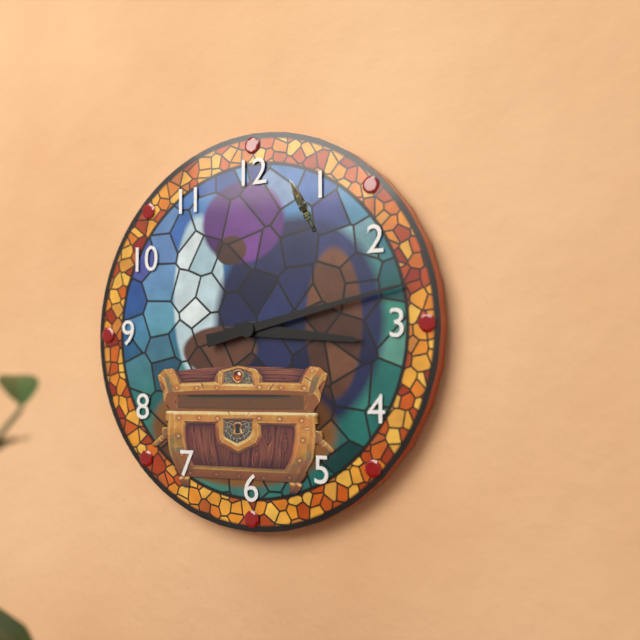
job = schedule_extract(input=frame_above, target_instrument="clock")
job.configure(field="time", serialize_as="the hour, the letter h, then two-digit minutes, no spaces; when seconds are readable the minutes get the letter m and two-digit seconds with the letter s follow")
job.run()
3h13
